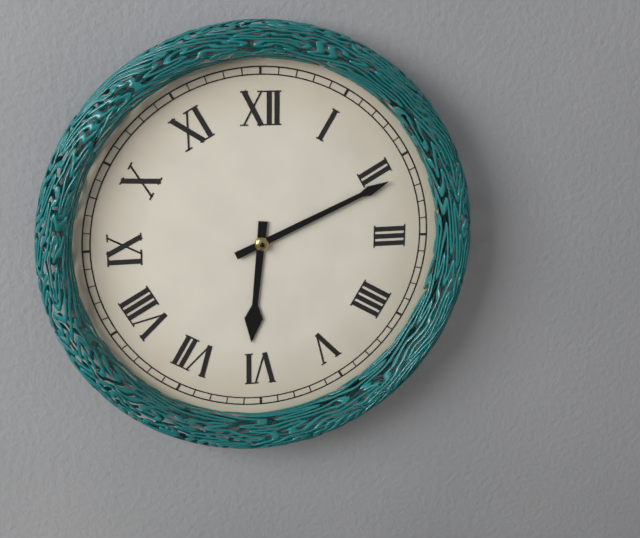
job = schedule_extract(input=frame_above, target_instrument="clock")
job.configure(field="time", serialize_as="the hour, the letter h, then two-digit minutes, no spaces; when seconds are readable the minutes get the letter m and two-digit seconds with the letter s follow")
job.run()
6h11
